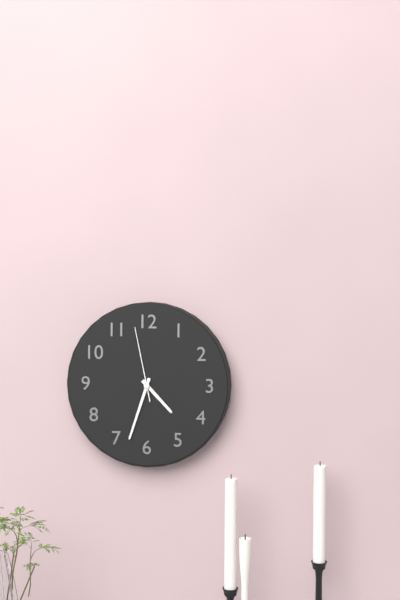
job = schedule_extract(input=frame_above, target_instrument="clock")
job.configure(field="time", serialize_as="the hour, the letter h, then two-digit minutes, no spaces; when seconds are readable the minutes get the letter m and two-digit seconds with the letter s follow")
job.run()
4h33m58s
